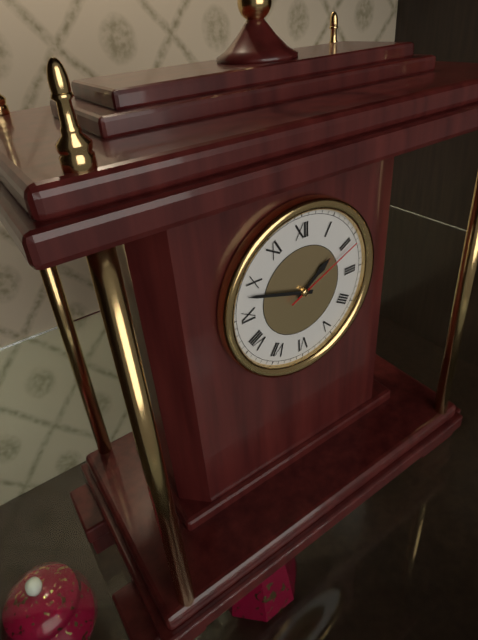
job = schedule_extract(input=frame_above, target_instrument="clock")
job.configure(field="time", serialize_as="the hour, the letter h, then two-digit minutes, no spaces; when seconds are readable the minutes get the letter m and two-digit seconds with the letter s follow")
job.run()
1h48m11s
